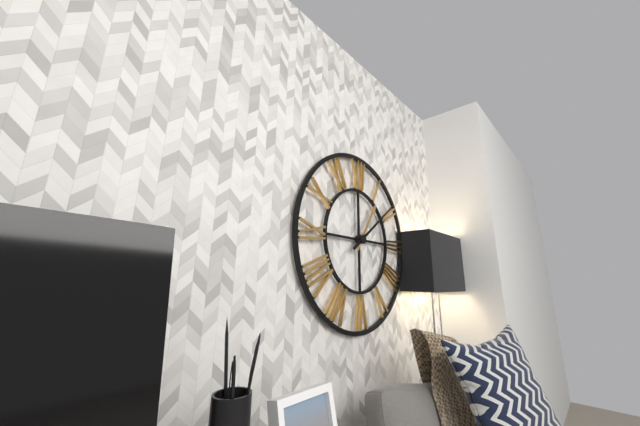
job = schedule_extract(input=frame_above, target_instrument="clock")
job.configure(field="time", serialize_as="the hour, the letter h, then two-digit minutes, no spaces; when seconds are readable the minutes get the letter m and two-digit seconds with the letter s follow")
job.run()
1h09
